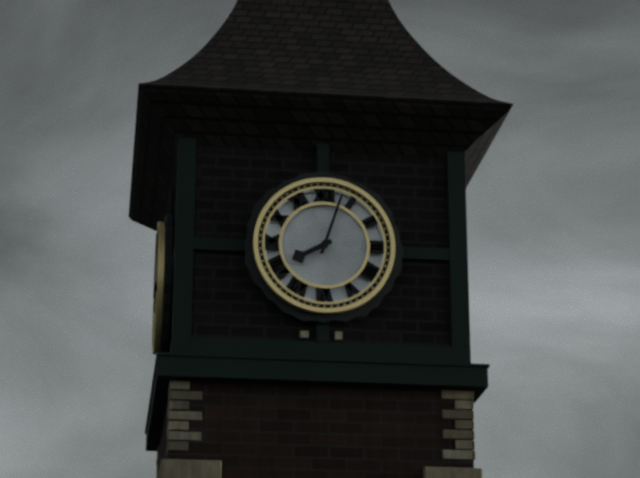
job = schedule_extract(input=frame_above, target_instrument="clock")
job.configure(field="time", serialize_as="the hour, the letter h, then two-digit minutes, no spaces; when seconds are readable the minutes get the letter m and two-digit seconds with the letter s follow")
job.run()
8h03
